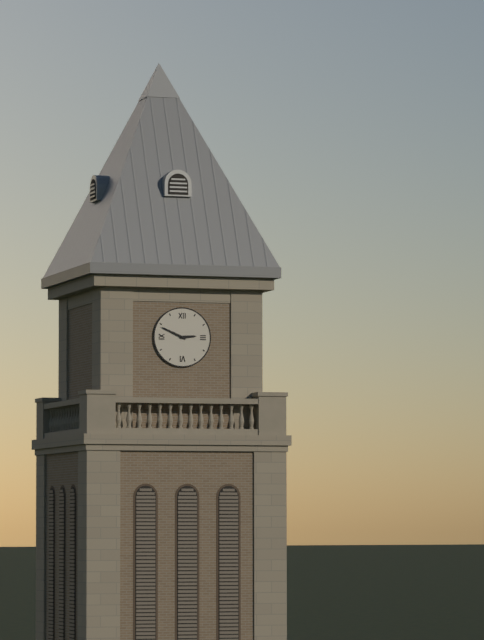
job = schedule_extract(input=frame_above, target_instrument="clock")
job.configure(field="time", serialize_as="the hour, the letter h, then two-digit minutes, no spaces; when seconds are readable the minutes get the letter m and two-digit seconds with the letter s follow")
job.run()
2h49
